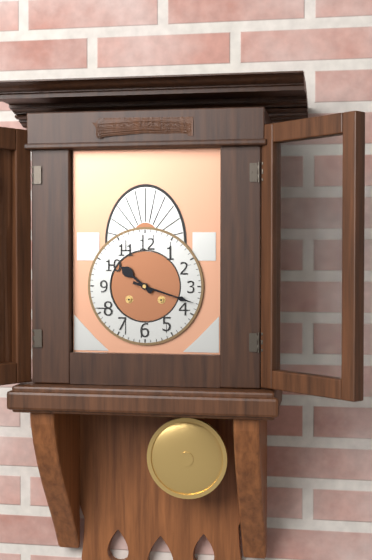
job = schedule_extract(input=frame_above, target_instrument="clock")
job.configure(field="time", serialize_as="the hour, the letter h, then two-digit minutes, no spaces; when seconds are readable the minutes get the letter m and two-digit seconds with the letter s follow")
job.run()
10h18
